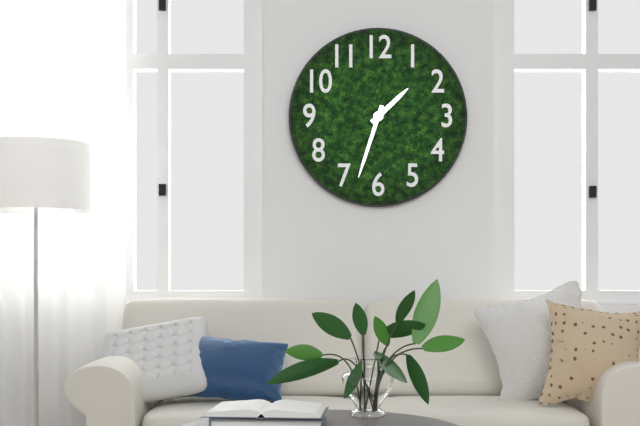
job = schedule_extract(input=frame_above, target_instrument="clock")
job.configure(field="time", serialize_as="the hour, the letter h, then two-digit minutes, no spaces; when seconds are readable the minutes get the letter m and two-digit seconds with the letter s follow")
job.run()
1h33
